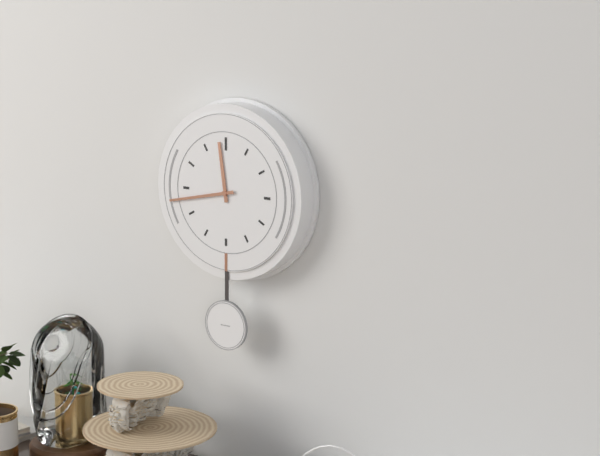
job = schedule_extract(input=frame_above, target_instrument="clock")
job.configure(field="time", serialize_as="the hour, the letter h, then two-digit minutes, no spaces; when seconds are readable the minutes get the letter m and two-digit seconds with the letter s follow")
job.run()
11h43
